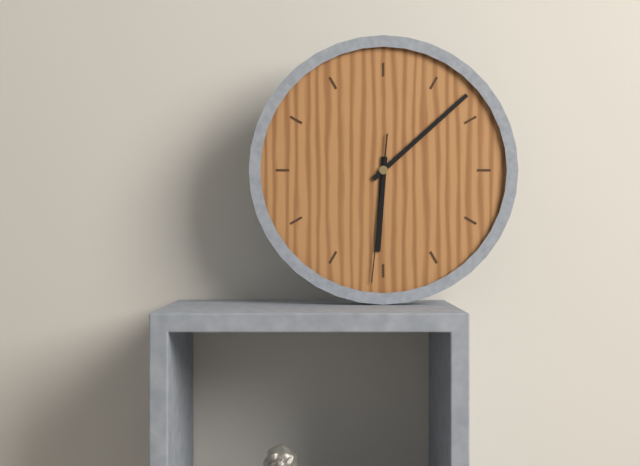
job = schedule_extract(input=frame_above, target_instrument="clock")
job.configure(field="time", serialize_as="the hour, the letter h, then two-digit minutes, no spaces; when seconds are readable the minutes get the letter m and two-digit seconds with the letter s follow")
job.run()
6h08m31s
